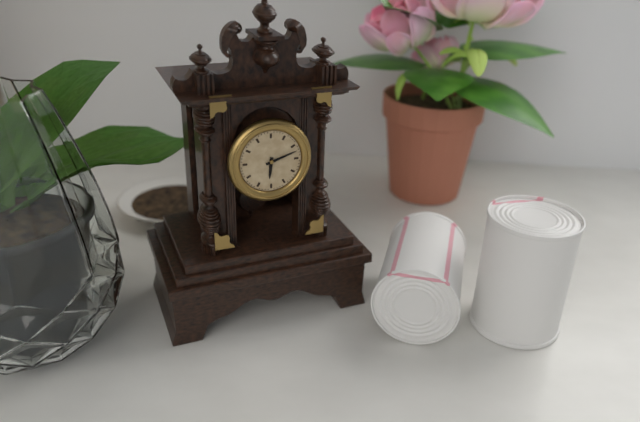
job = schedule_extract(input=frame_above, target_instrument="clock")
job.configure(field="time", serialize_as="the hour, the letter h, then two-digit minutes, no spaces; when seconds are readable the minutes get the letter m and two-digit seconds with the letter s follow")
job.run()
6h12
